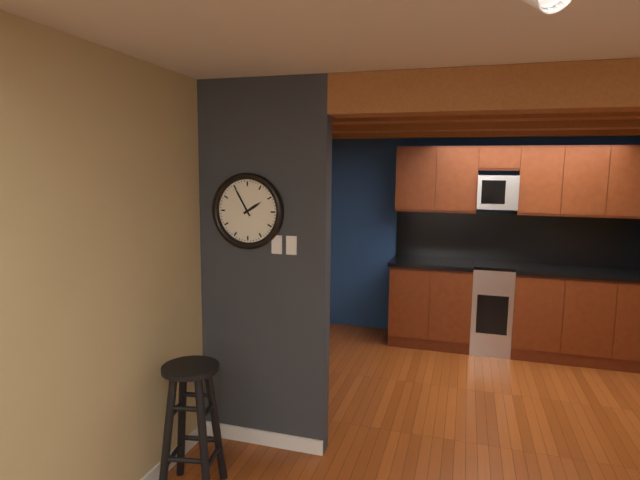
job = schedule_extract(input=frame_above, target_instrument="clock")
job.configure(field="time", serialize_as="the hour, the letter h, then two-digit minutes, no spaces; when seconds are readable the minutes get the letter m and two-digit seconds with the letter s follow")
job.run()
1h55
